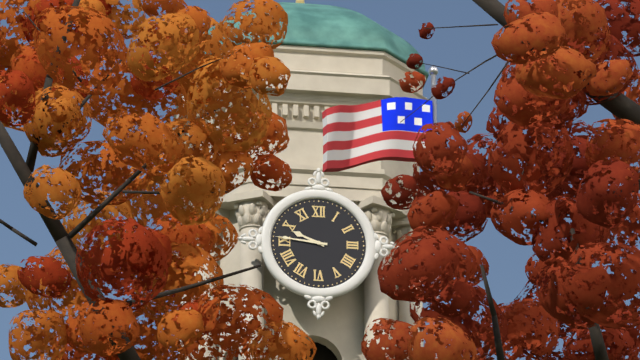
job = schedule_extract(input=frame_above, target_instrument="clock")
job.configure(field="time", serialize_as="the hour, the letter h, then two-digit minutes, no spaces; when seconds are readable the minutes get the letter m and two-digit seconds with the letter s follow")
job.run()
9h46
